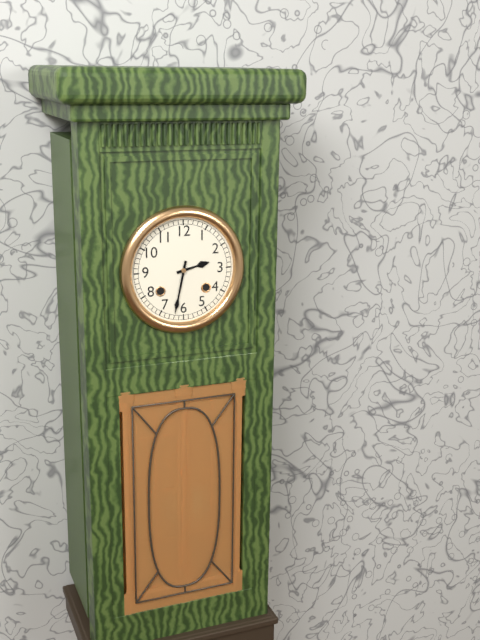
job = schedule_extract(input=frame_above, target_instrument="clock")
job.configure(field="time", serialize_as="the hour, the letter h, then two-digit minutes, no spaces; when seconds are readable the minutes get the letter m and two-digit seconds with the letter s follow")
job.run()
2h32
